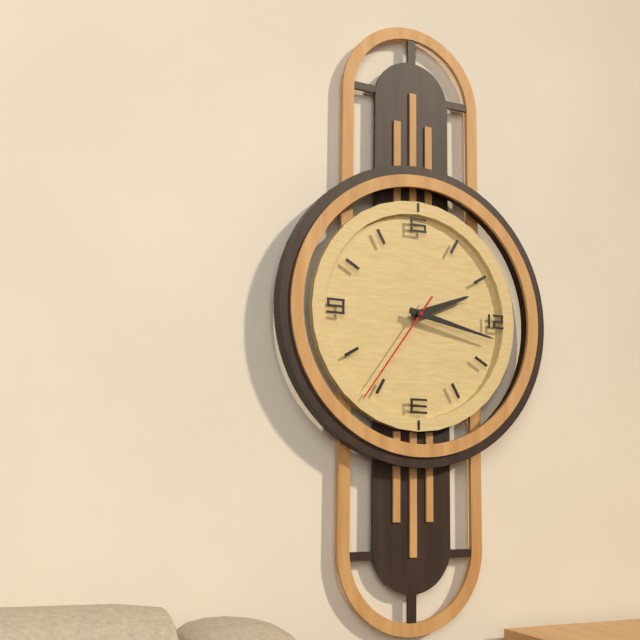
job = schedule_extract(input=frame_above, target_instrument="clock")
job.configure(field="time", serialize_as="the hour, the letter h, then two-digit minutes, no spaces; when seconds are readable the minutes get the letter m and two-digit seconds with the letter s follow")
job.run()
2h17m36s
